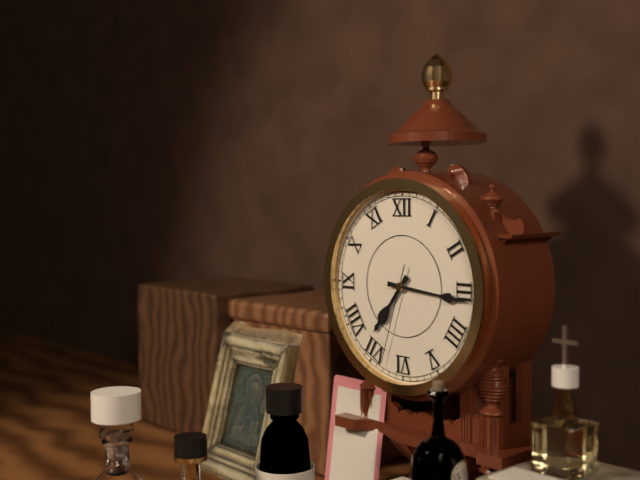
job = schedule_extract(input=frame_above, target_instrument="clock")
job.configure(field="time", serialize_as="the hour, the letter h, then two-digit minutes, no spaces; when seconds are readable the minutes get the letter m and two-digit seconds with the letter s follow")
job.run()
7h16m33s
